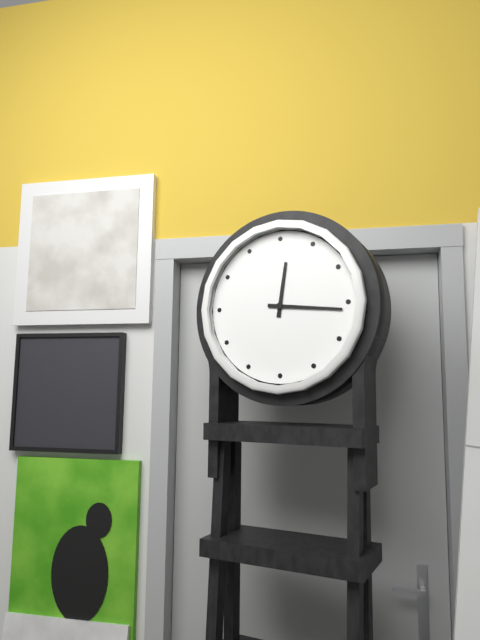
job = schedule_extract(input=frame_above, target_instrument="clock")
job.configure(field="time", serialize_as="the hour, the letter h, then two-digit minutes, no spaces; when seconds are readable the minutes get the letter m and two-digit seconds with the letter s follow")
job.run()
12h16
